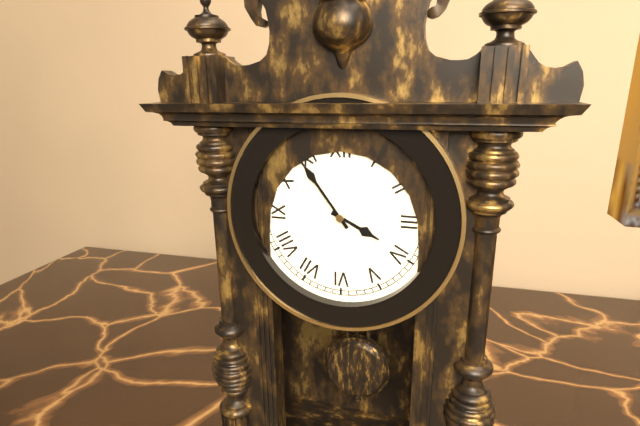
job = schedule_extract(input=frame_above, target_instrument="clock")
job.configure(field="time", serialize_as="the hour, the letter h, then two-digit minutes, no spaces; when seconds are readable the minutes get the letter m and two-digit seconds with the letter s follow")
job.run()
3h54
